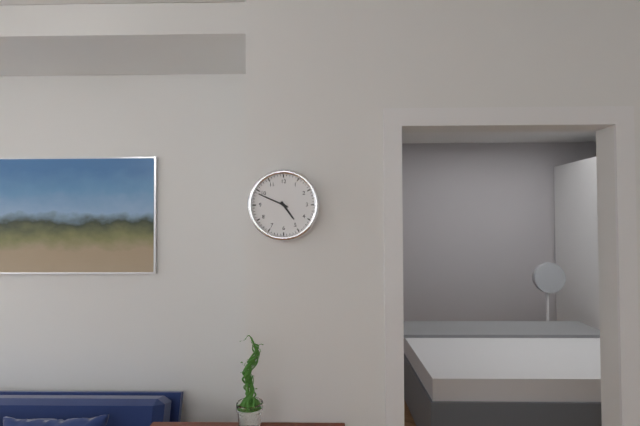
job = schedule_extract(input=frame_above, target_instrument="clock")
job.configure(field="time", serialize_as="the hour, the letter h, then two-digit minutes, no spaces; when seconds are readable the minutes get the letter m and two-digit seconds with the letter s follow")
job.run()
4h49
